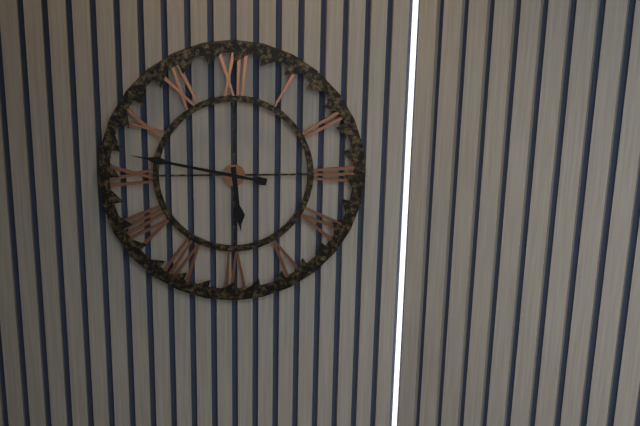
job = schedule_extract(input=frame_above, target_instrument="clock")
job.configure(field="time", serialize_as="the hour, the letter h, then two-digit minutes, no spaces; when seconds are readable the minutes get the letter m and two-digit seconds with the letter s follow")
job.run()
5h47
